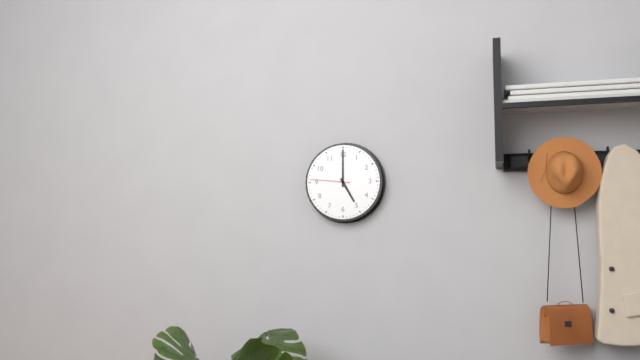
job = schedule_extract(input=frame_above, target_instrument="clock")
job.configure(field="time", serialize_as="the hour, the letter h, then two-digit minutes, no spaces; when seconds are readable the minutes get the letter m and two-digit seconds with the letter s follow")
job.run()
5h00
